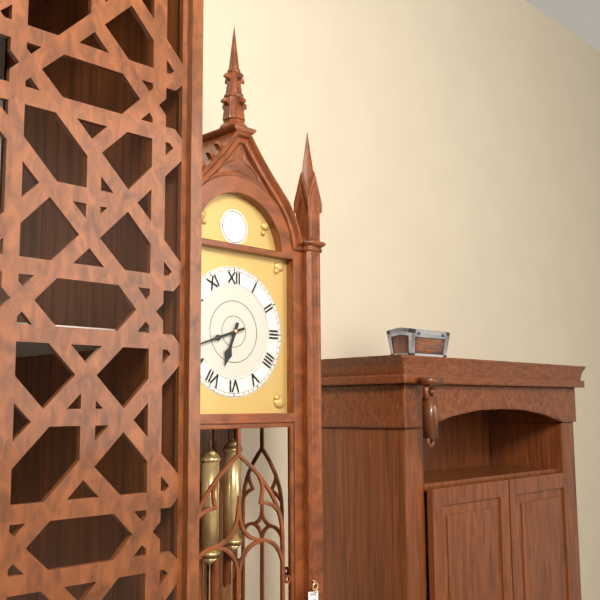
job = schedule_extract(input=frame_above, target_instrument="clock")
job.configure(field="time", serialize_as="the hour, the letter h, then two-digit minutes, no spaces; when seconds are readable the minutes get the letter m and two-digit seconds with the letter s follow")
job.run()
6h42
